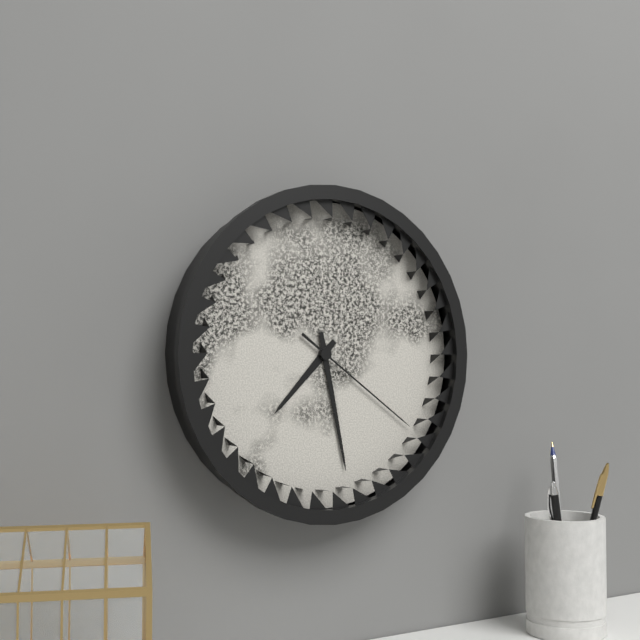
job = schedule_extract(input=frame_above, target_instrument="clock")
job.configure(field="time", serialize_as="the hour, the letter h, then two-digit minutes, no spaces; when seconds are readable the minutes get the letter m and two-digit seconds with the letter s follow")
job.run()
7h28m21s
